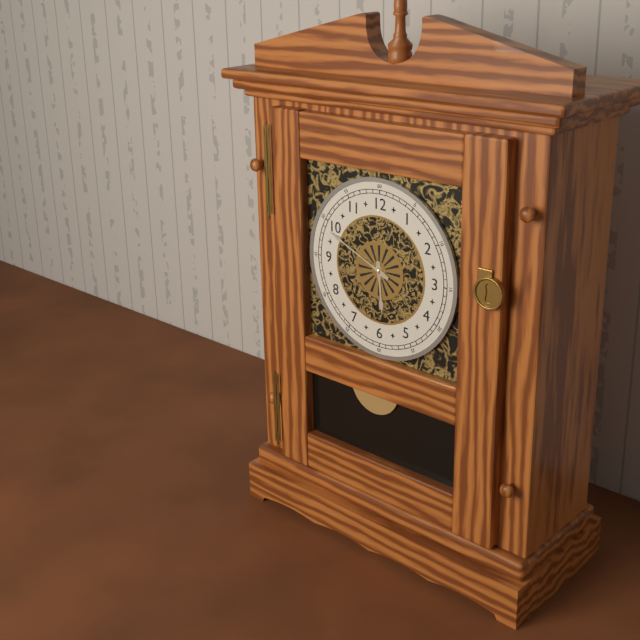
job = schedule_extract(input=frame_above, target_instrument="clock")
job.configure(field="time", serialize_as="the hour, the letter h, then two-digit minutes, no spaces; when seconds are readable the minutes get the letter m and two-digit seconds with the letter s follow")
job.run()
5h49
